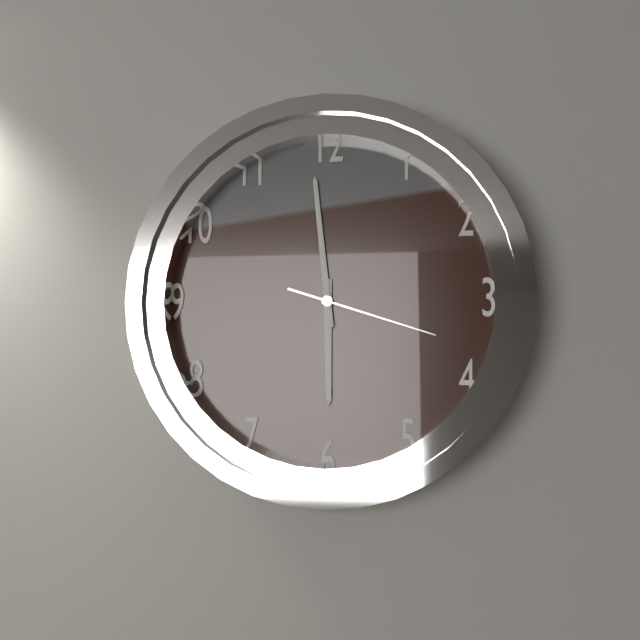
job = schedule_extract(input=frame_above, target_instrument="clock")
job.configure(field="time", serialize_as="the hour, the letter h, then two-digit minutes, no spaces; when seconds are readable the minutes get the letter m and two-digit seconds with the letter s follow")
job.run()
5h59m18s
